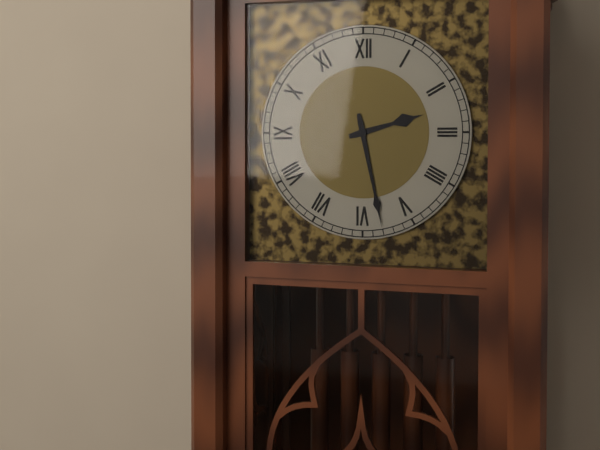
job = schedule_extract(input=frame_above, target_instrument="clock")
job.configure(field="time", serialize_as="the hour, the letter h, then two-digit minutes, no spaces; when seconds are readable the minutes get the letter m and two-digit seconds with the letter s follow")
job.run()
2h28
